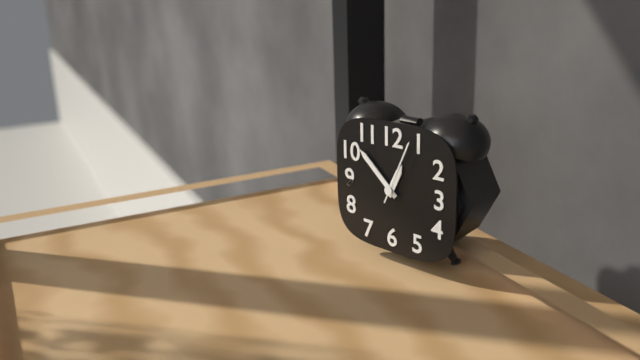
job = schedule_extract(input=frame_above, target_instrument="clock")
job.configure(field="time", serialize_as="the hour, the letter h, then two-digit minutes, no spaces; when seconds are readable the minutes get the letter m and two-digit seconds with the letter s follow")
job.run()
12h52m04s
